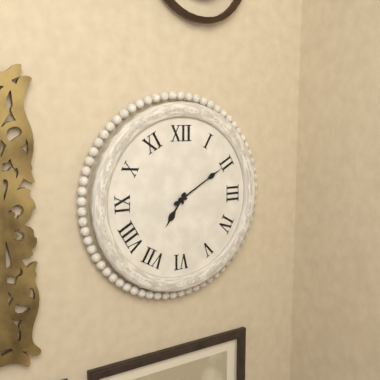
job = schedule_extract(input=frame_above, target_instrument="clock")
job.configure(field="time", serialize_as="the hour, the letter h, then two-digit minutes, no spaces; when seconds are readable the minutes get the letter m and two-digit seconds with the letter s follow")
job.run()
7h10
